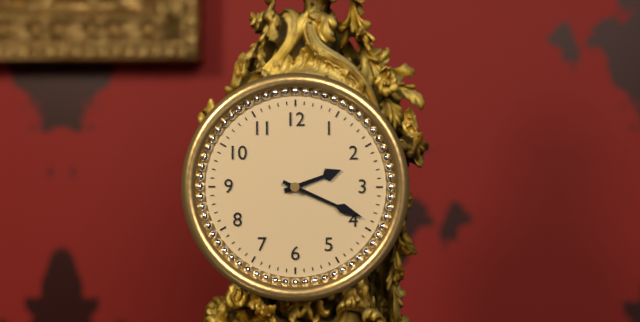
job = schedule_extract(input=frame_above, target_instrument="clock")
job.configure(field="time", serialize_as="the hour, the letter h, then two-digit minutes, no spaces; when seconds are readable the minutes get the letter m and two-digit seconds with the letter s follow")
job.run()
2h19
